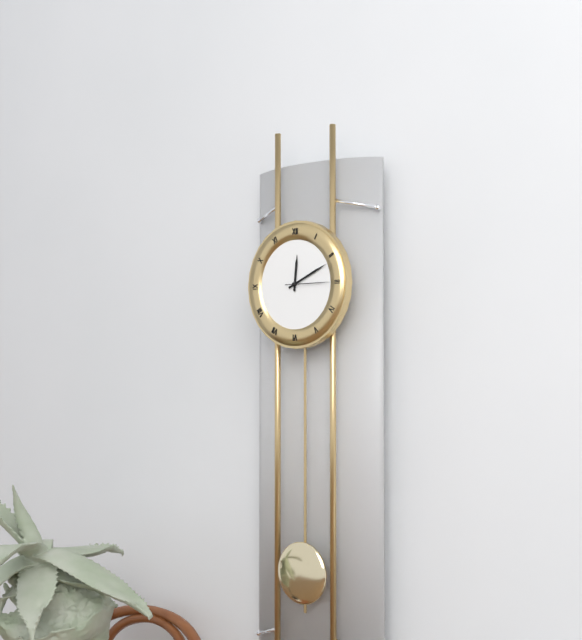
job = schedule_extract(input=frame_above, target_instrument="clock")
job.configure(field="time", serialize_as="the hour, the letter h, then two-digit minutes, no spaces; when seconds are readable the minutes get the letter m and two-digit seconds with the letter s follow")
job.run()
12h11
